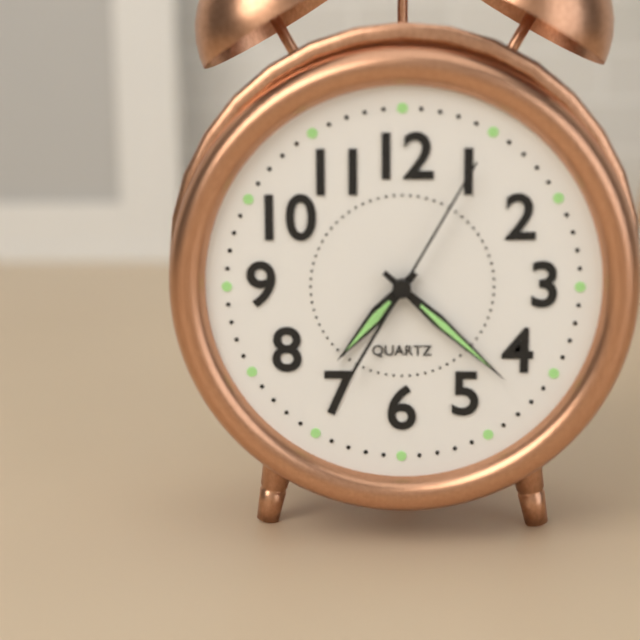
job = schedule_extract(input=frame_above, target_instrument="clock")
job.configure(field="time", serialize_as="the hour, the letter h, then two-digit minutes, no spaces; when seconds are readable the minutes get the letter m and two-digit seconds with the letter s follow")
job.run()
7h22m05s
